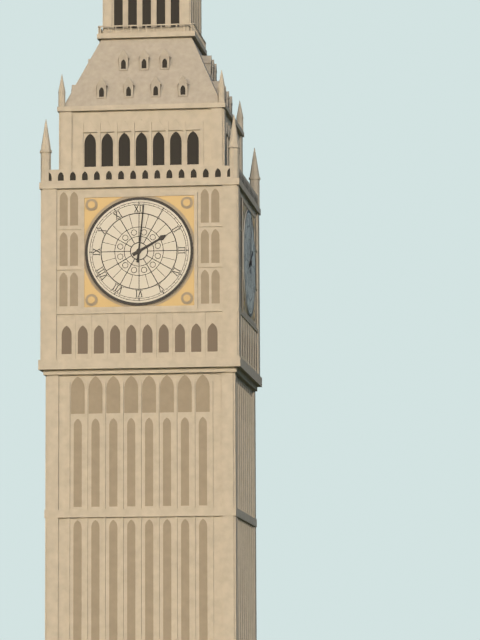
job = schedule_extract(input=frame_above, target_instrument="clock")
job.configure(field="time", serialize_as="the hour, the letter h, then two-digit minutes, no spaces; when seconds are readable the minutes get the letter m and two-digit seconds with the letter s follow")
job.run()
2h01
